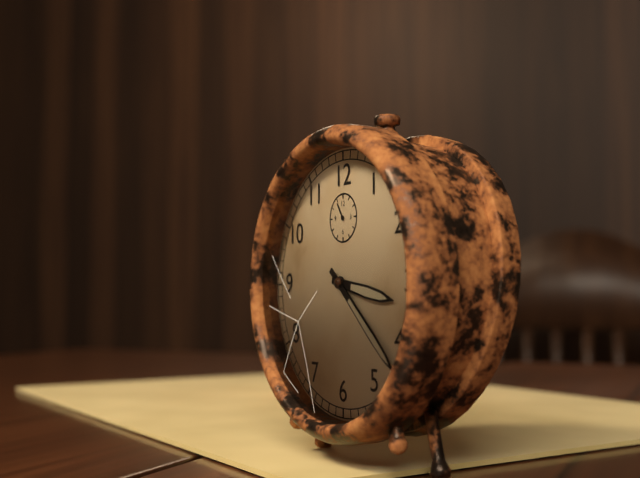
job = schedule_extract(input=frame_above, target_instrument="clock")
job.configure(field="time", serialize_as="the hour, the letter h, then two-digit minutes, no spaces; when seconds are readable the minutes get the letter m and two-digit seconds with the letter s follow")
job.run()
3h22
